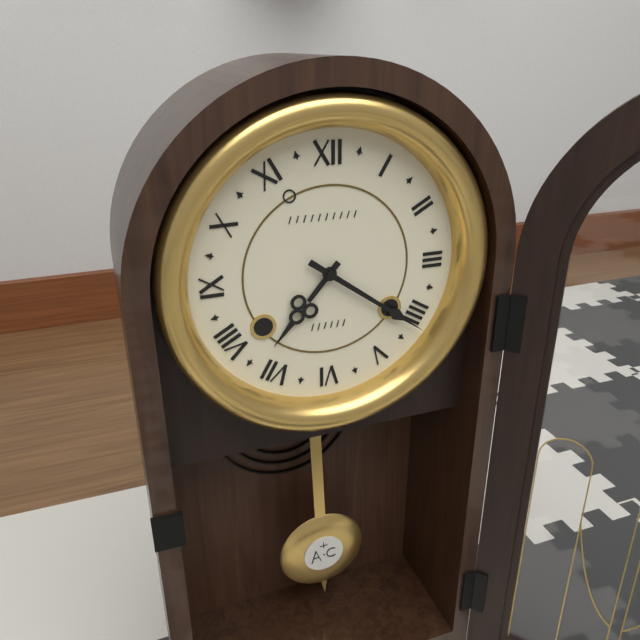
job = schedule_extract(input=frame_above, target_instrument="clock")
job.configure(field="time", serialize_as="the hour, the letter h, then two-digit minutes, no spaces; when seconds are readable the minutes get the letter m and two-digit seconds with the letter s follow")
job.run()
7h21
